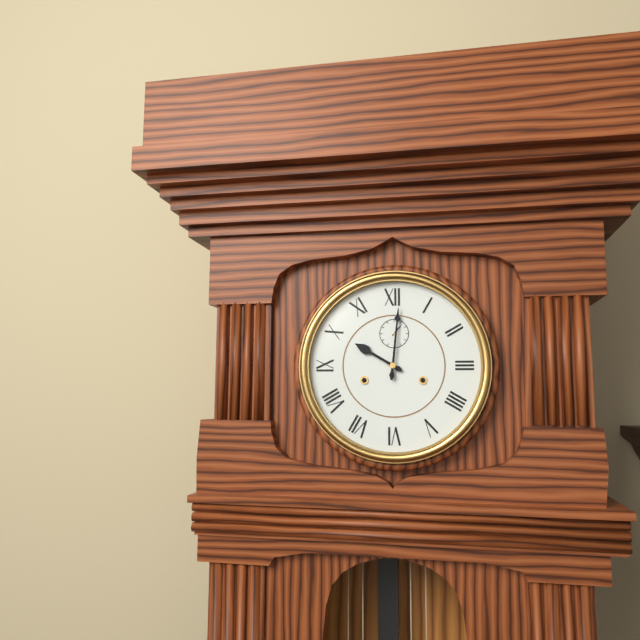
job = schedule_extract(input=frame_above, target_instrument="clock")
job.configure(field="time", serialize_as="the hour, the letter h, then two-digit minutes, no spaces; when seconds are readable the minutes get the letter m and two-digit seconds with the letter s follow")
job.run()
10h01
